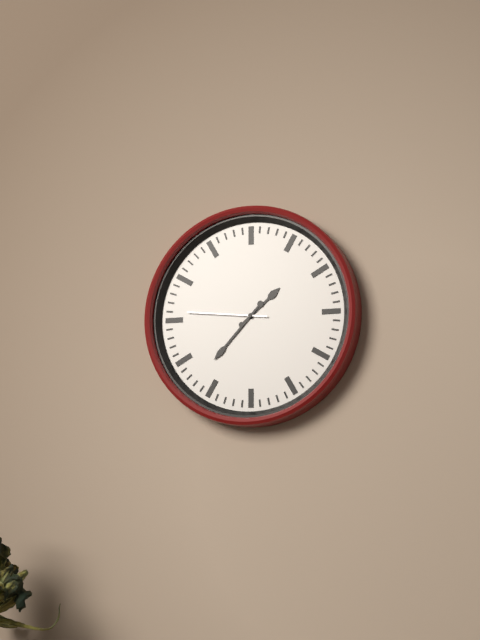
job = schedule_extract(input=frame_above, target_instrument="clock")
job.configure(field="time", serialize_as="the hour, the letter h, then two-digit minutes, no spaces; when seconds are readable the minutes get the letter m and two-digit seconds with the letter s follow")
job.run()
1h37m46s
